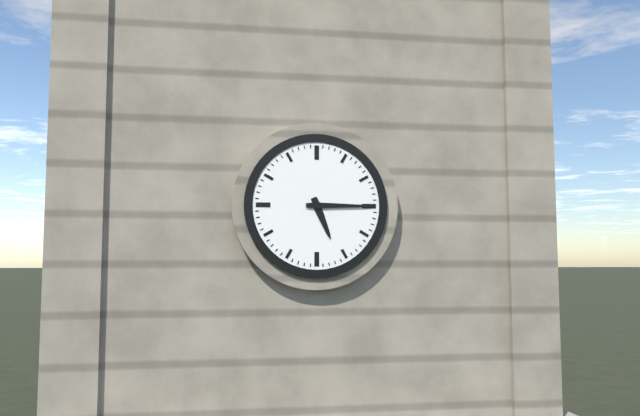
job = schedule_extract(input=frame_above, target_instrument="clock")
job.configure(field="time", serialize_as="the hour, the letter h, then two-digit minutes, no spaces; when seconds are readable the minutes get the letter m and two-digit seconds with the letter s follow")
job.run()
5h15
